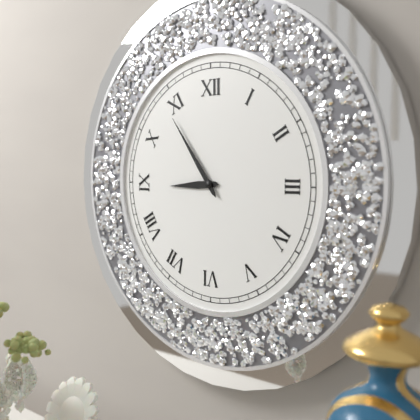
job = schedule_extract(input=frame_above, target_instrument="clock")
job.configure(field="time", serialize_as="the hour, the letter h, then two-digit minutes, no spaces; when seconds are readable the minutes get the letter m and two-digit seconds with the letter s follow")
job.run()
8h54
